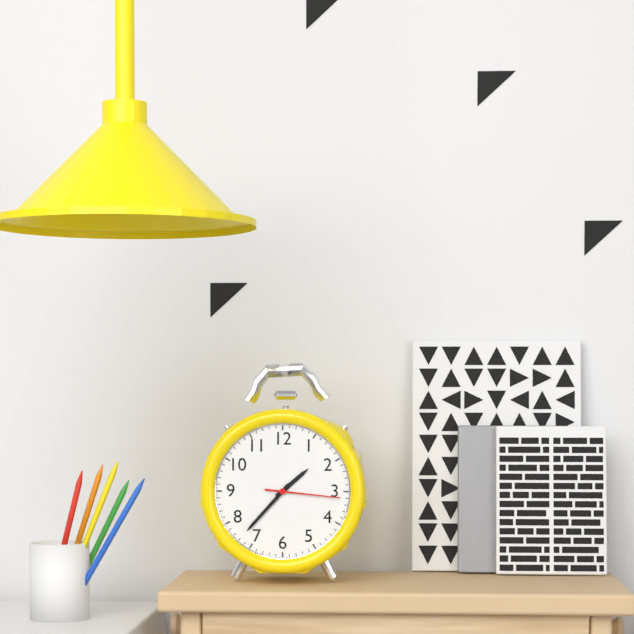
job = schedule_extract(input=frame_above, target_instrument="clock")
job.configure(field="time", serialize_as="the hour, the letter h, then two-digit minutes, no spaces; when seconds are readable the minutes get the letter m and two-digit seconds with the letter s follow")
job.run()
1h37m16s
